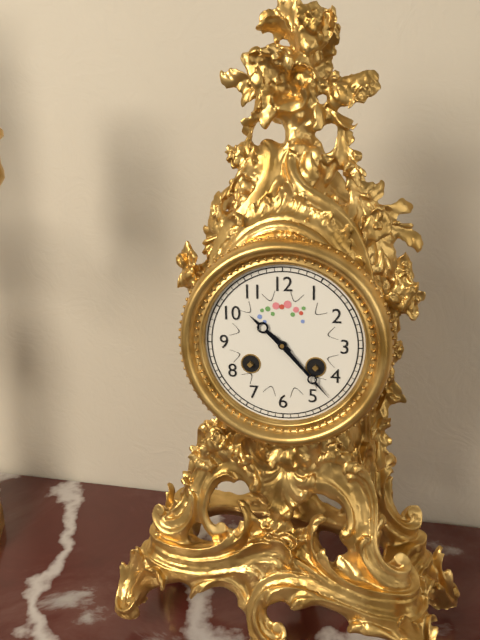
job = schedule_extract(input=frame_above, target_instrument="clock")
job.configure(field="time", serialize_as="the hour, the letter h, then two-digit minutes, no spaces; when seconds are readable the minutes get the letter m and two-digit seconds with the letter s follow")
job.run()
10h23
